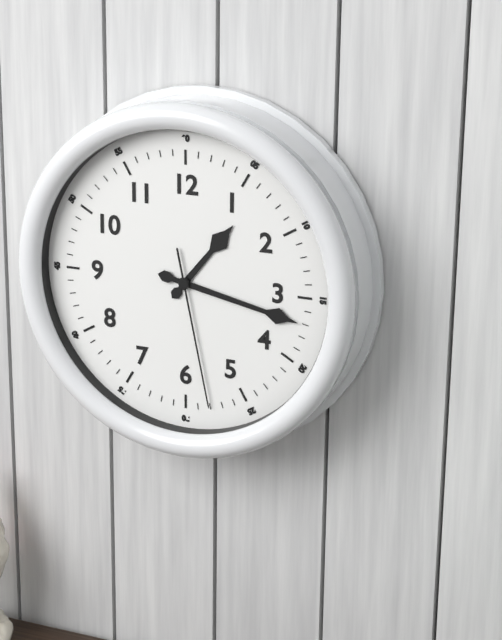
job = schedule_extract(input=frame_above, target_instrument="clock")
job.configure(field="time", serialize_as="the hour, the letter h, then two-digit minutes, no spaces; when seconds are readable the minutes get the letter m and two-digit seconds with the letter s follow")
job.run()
1h17m28s
